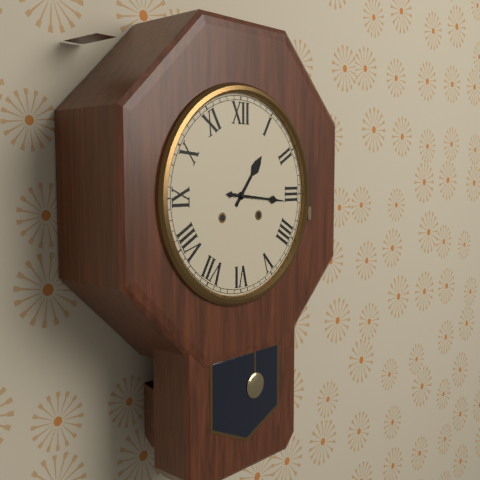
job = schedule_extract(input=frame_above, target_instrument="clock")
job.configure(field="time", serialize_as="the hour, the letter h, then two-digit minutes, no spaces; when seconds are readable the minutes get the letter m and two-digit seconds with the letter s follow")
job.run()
1h16
